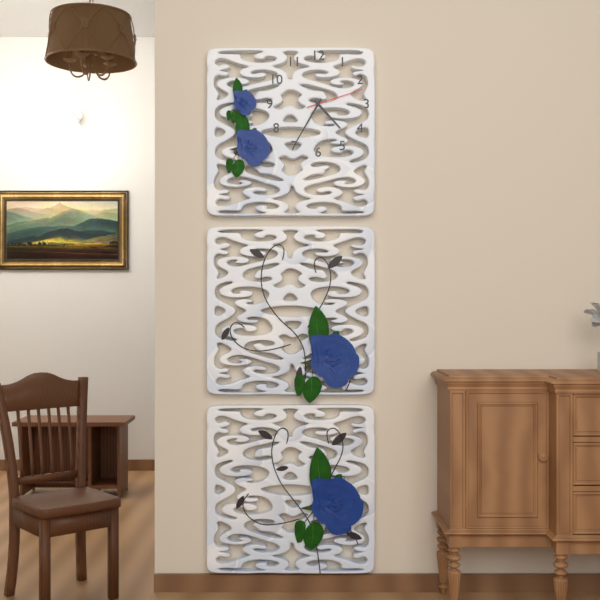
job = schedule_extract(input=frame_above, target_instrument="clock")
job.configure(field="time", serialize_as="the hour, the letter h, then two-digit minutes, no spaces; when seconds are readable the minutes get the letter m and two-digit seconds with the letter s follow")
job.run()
4h35m12s
